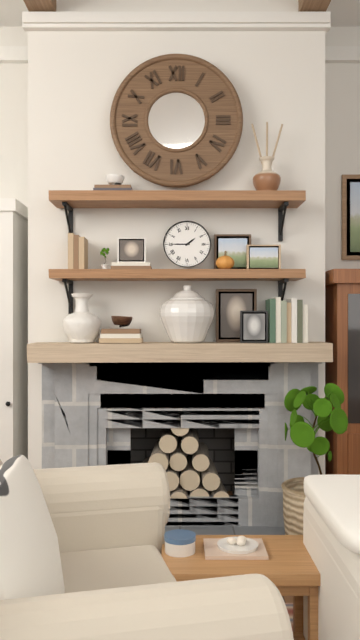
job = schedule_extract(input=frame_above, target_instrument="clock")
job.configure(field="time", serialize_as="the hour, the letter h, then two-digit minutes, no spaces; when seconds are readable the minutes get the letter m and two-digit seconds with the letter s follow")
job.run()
1h45
